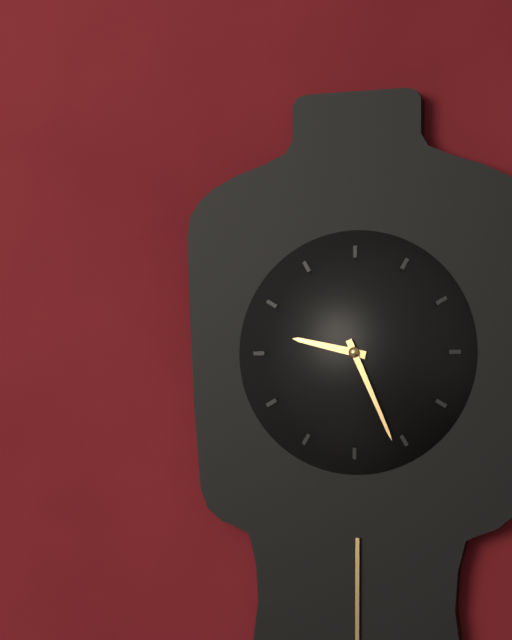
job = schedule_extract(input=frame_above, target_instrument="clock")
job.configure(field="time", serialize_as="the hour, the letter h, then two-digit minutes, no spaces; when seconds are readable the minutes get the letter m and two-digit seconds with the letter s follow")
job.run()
9h26
